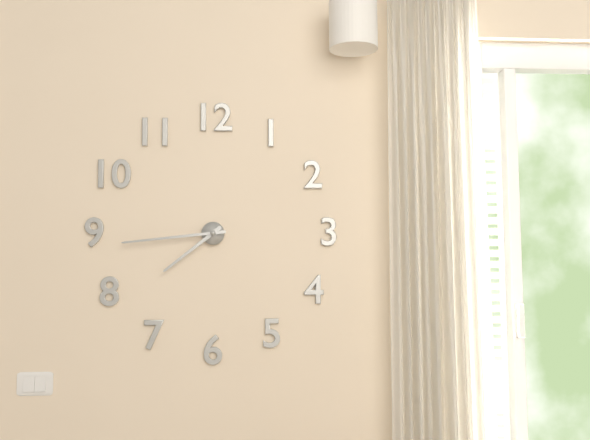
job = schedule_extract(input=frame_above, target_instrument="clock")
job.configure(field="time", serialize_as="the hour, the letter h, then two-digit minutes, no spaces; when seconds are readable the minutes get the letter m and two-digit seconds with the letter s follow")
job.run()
7h44
